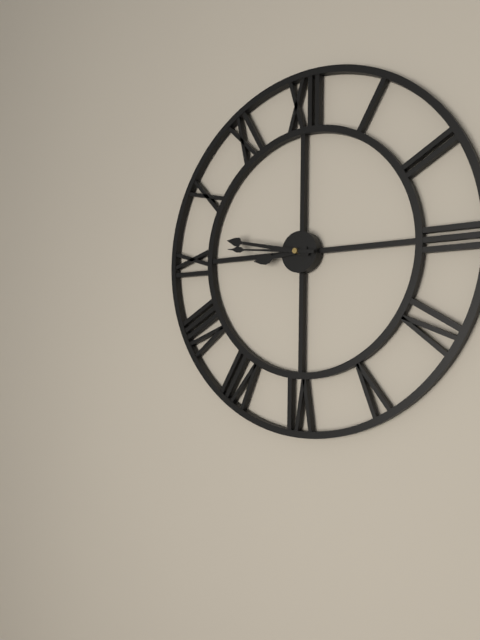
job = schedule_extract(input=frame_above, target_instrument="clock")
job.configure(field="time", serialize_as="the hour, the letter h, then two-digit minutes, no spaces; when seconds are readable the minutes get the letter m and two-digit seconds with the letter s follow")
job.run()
8h47m46s
